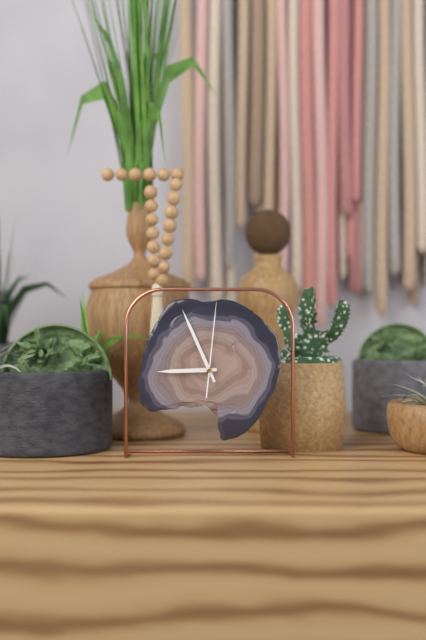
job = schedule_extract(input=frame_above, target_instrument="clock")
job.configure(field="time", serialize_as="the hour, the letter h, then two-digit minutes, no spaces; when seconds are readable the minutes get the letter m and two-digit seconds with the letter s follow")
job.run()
8h56m01s
